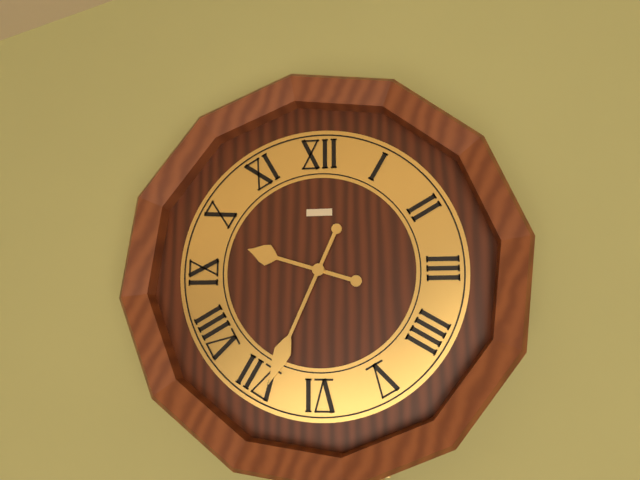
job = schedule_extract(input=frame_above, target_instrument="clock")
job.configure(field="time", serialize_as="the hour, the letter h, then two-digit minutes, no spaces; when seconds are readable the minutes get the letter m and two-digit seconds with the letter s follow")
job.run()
9h34
